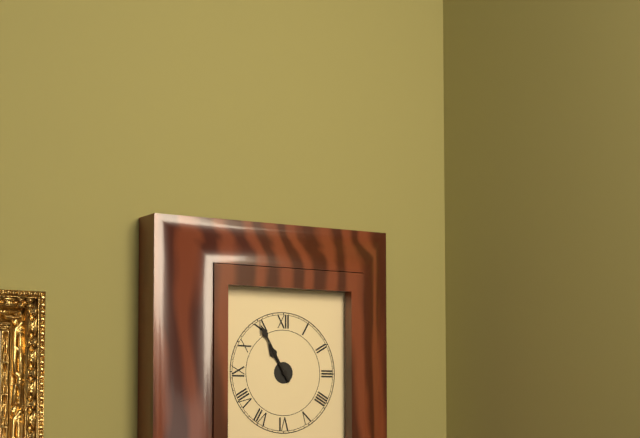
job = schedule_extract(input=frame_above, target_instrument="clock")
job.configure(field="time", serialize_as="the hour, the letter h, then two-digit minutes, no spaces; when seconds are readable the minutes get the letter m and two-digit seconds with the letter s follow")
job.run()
10h55
